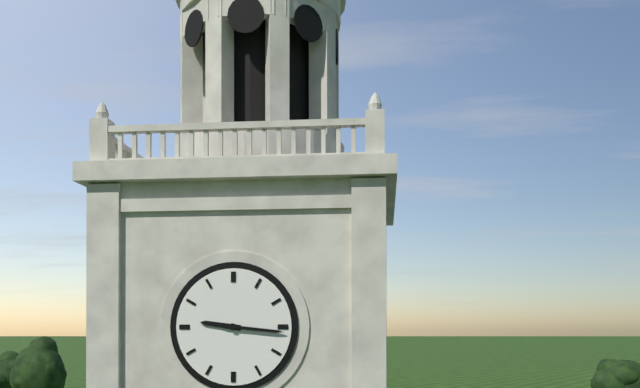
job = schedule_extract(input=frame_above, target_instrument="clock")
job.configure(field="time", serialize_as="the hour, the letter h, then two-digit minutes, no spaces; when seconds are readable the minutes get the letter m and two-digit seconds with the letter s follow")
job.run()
9h16
